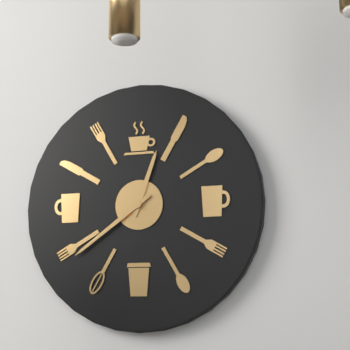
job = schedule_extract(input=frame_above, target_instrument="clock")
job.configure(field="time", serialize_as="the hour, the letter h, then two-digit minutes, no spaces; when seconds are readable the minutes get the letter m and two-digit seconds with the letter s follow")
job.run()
12h39
